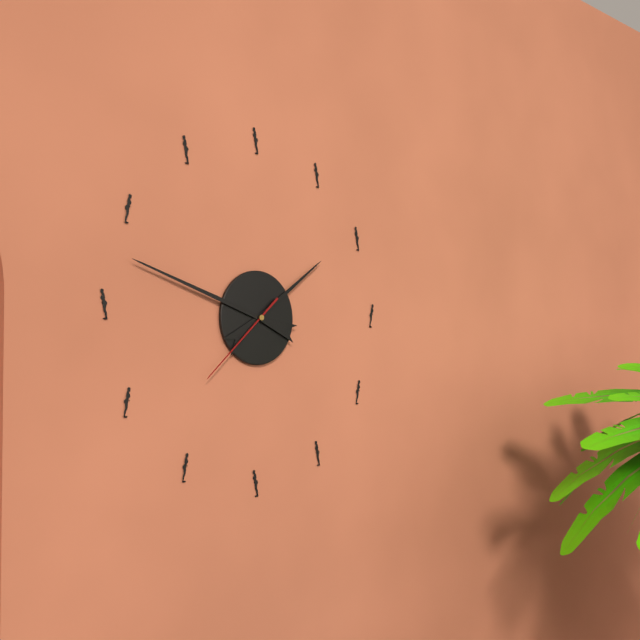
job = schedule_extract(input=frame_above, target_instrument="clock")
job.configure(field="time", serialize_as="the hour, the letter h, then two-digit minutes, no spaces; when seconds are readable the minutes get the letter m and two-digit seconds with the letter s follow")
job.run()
1h48m38s
